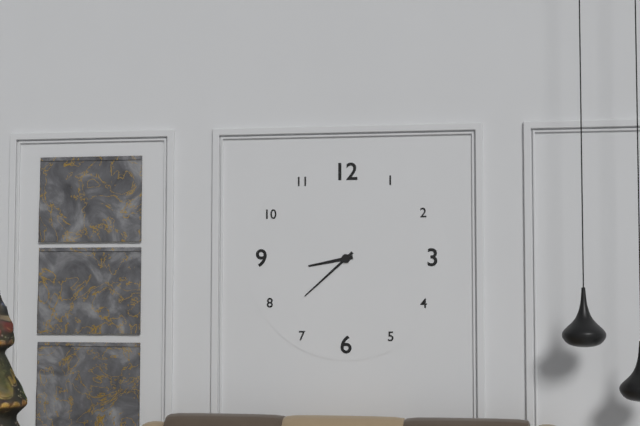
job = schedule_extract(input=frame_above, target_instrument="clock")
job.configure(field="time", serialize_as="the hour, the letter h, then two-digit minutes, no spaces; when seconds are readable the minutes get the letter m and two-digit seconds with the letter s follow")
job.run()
8h38
